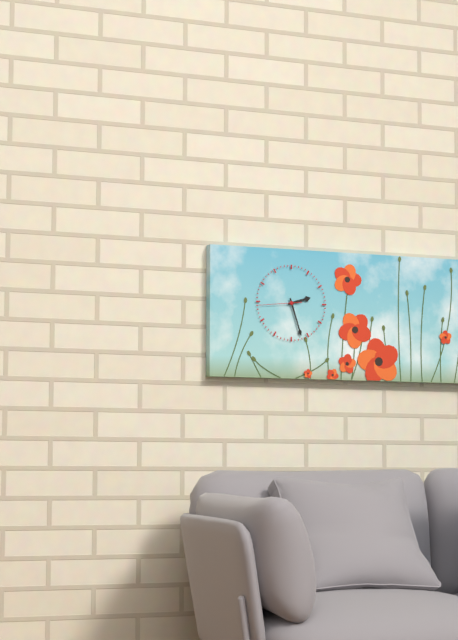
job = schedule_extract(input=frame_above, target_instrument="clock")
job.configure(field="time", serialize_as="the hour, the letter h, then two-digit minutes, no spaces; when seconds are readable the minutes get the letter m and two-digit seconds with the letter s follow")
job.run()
2h27
